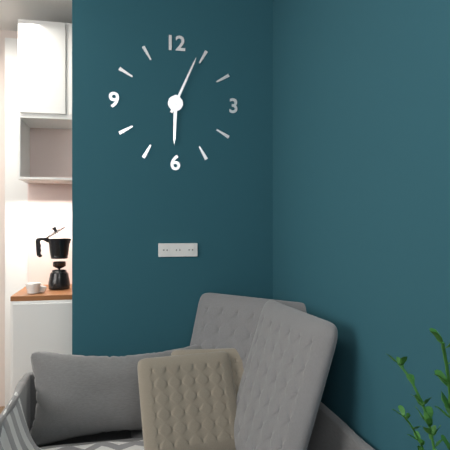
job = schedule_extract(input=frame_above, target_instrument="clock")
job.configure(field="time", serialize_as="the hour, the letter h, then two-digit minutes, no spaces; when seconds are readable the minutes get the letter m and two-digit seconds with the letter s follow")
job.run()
6h04
